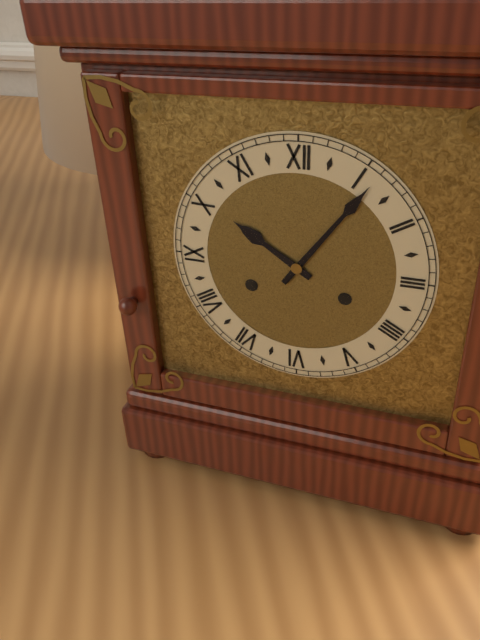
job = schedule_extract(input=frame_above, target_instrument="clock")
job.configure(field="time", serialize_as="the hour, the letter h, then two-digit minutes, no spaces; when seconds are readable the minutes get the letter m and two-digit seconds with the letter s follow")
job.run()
10h06
